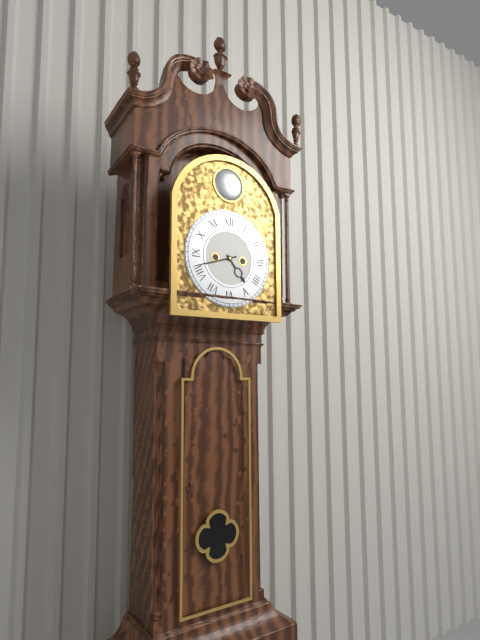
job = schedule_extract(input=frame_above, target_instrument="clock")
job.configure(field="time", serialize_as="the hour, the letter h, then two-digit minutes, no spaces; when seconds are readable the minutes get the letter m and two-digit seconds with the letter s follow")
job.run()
4h42
